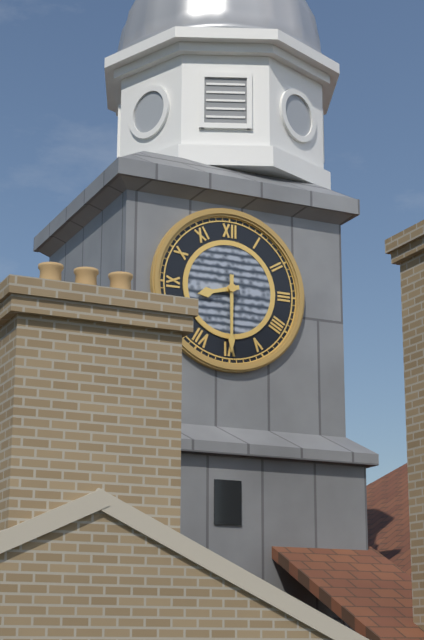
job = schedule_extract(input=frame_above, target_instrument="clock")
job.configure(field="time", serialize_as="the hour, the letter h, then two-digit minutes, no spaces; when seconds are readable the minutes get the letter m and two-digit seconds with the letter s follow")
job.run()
8h30
